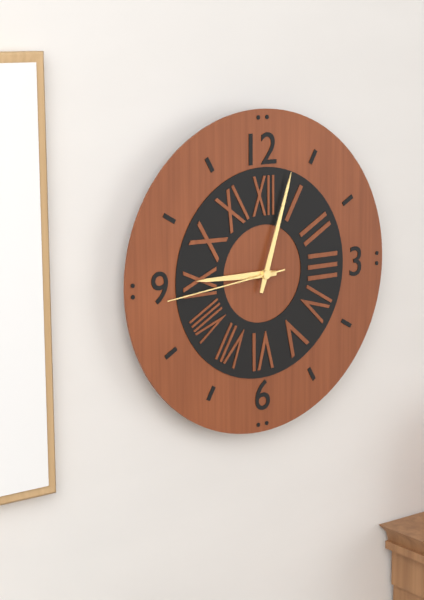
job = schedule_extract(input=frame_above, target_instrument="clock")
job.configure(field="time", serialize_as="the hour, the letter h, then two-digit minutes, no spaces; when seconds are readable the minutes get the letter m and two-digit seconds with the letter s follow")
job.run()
9h03m44s
